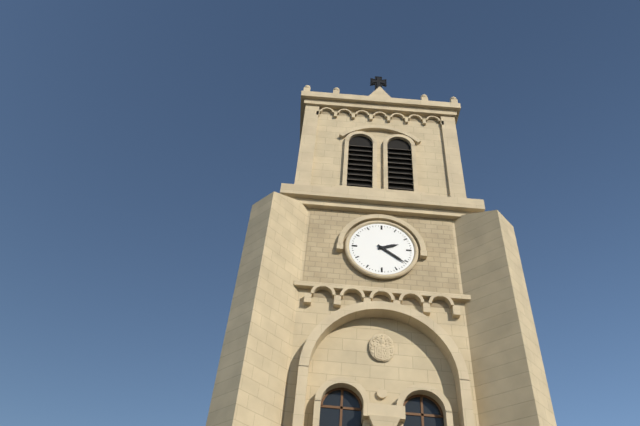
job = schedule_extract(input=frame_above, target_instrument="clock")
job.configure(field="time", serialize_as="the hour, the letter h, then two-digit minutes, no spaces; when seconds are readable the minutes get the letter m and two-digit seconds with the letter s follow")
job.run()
2h21
